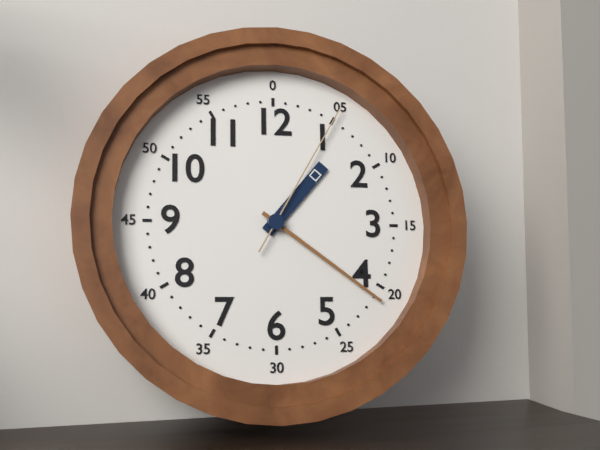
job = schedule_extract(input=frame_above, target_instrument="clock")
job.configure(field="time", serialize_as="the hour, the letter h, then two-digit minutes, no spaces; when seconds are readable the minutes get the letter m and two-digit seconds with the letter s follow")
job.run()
1h21m05s
